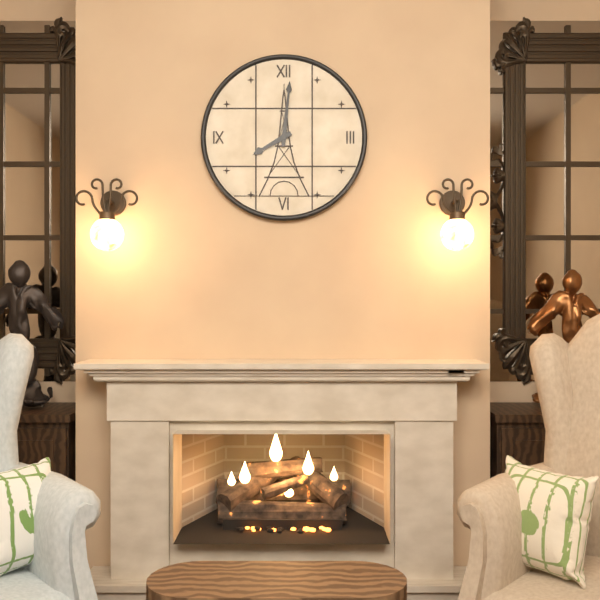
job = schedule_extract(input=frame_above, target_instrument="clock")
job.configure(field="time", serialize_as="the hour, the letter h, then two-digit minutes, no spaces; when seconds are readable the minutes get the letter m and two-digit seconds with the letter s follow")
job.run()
8h01
